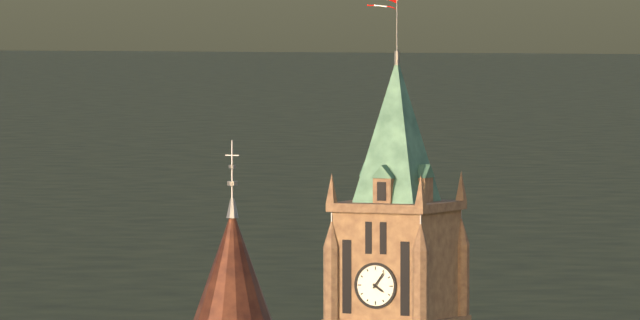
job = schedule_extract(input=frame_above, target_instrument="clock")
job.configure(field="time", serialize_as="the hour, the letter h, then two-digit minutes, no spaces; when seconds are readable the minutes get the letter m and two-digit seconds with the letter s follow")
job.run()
4h06
